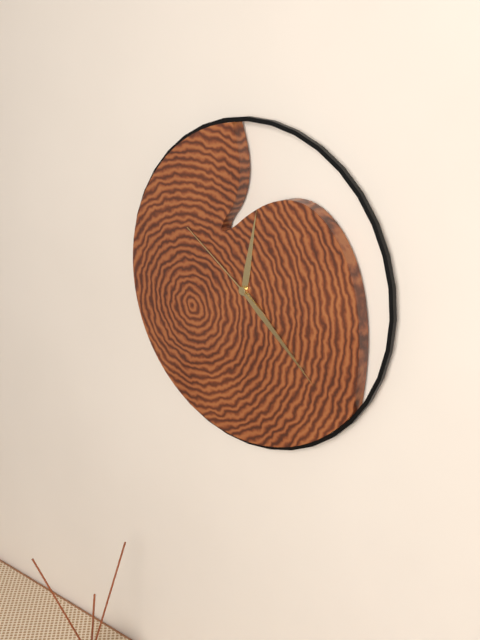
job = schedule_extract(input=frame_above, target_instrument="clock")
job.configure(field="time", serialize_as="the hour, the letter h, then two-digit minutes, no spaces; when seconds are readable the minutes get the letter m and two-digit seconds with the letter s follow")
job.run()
12h22m51s
